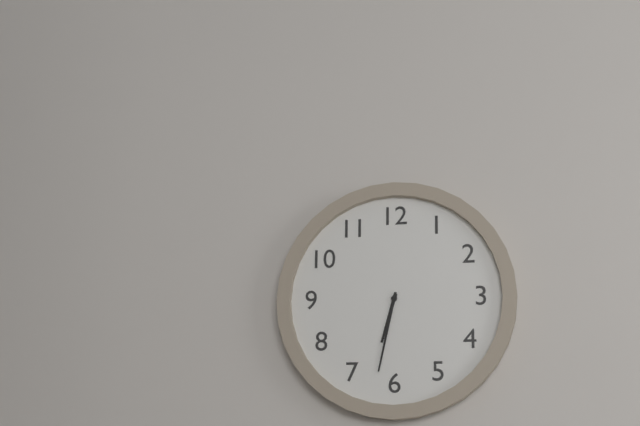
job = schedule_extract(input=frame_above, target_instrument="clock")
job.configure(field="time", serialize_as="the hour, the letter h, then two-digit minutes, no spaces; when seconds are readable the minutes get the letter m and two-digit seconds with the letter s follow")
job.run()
6h32
